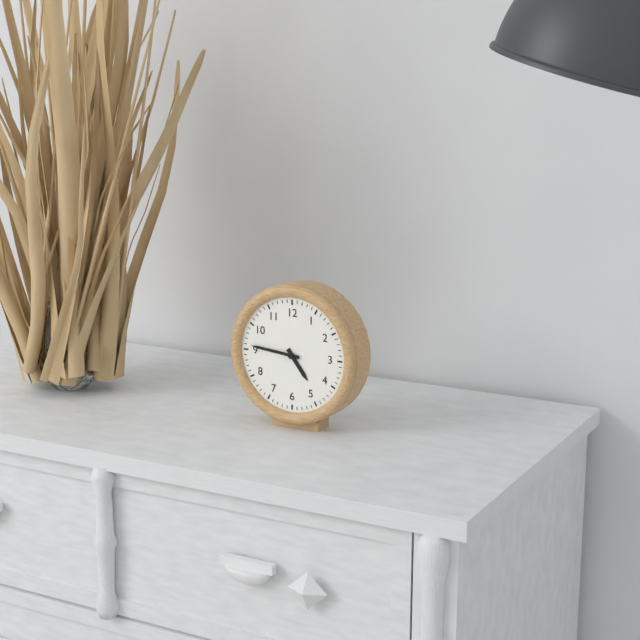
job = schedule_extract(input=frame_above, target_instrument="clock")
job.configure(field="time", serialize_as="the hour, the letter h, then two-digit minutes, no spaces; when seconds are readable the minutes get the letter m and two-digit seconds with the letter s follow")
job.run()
4h46
